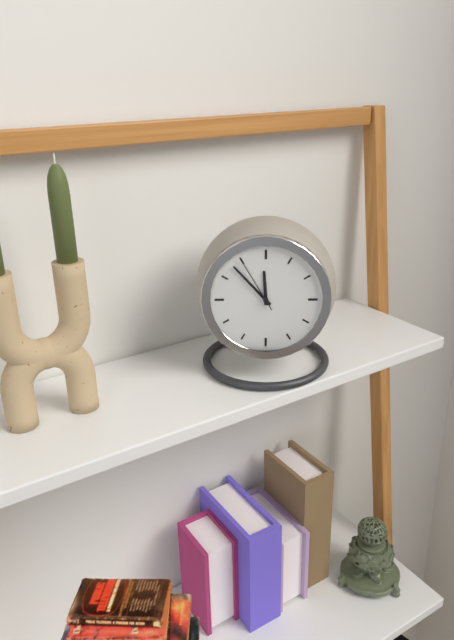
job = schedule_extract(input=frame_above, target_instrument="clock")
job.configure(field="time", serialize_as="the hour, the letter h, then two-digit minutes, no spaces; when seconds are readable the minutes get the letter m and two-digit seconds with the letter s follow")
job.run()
11h53m55s
